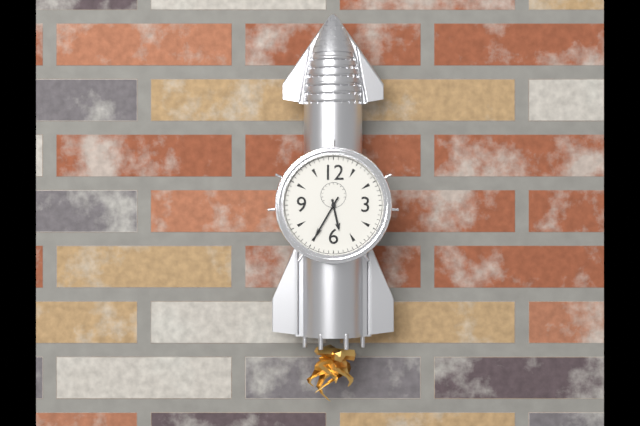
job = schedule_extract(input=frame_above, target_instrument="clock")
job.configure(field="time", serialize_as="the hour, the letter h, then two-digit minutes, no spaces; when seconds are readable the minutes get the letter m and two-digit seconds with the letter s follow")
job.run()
5h35
